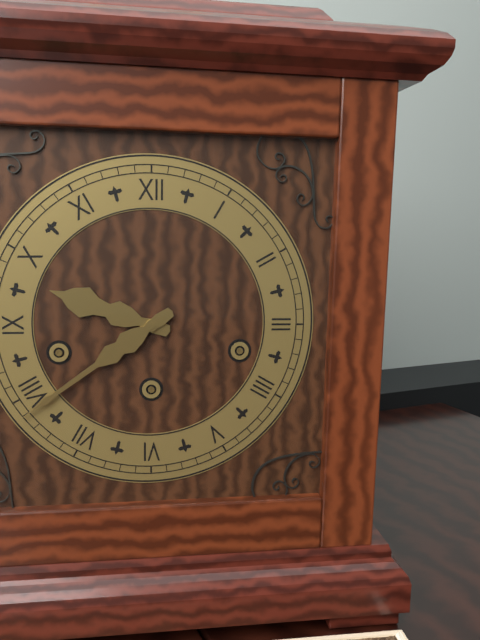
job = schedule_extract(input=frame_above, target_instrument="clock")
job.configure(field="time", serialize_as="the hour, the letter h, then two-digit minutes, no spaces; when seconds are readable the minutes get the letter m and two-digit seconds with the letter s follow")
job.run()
9h39
